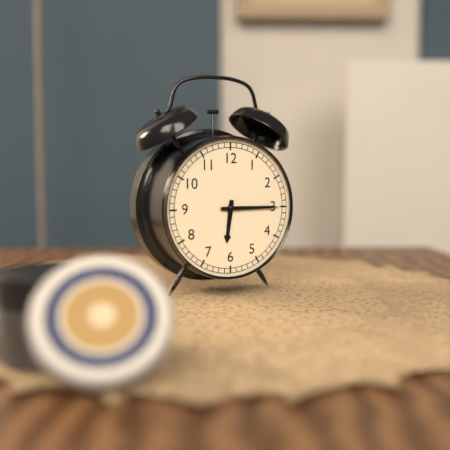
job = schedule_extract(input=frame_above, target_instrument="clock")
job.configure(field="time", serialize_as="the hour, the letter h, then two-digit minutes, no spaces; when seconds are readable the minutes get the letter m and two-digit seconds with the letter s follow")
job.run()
6h15
